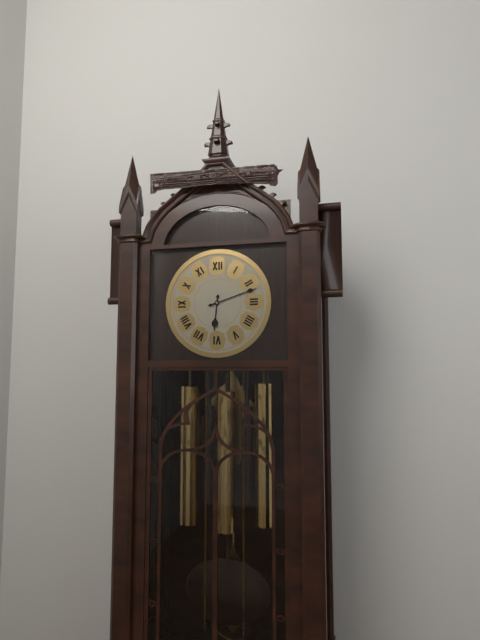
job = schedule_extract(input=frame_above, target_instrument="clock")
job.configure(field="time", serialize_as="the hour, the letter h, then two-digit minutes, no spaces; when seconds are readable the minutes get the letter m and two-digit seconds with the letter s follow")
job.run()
6h12
